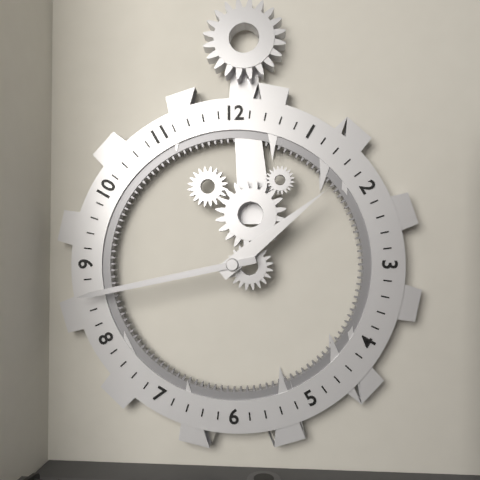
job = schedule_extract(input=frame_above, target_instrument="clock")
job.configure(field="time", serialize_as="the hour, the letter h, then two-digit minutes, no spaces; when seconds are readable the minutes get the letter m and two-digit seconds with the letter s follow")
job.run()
1h43
